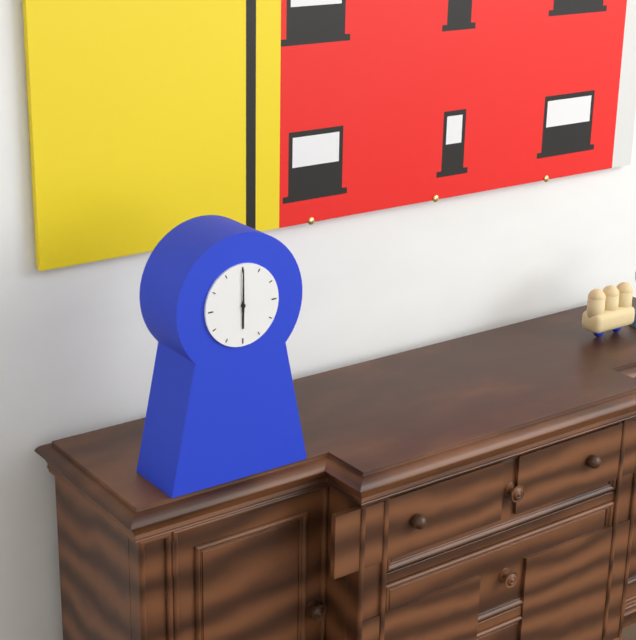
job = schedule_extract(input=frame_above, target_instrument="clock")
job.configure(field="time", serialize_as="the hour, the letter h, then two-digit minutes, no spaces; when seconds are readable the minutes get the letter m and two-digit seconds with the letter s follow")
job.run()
6h00
